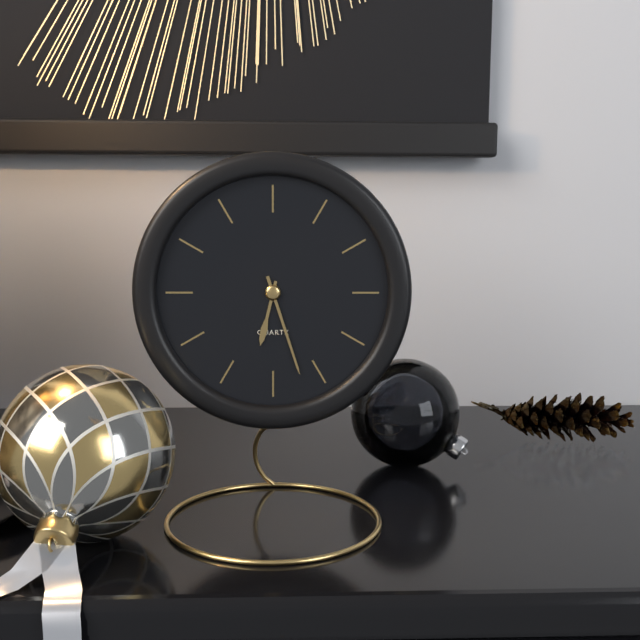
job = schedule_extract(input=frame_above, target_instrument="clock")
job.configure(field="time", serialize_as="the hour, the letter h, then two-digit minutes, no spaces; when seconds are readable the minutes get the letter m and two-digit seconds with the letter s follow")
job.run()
6h27
